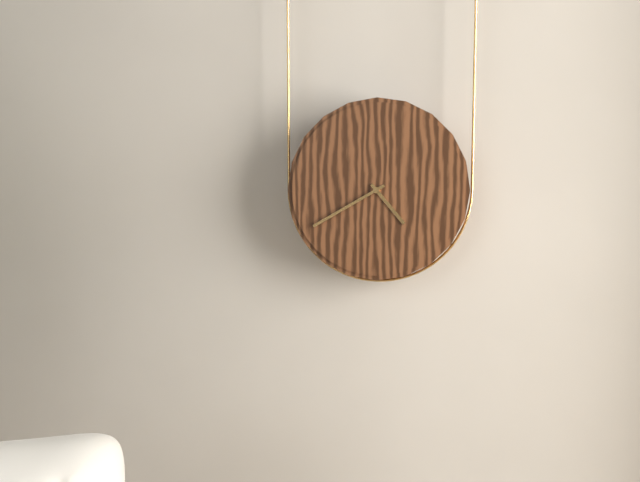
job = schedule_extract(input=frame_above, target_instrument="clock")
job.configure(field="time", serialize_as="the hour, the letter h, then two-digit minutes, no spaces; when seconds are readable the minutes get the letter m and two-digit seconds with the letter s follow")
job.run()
4h40
